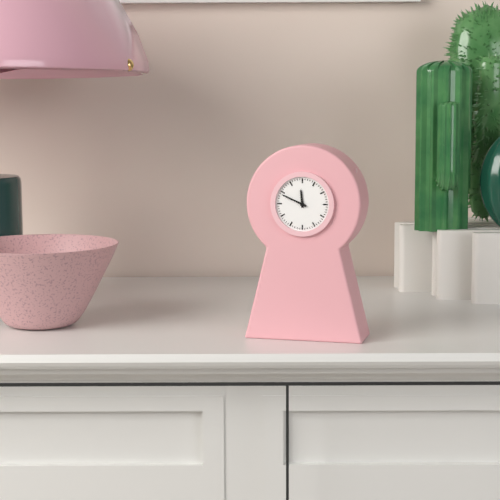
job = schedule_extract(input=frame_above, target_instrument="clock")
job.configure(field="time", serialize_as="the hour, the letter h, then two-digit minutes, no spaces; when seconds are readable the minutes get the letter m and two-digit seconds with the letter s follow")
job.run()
11h49
